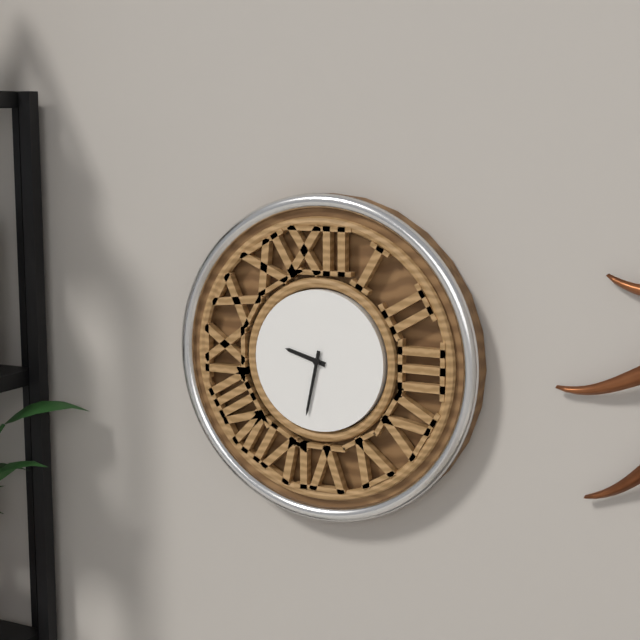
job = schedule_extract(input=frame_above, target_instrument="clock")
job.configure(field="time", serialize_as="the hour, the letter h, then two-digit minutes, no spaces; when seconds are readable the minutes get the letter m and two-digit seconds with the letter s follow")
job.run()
9h32
